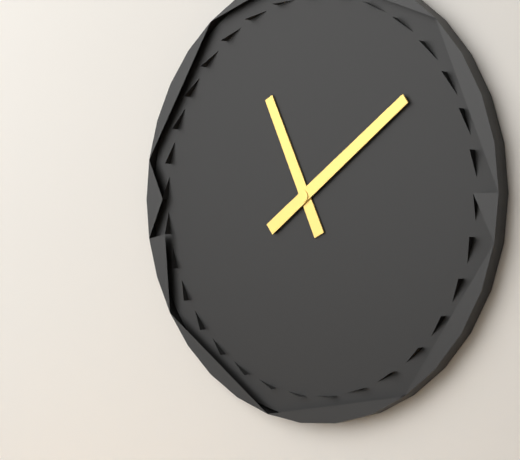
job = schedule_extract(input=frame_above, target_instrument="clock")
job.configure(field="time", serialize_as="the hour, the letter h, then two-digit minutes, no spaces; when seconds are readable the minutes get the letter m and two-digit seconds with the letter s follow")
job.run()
11h09
